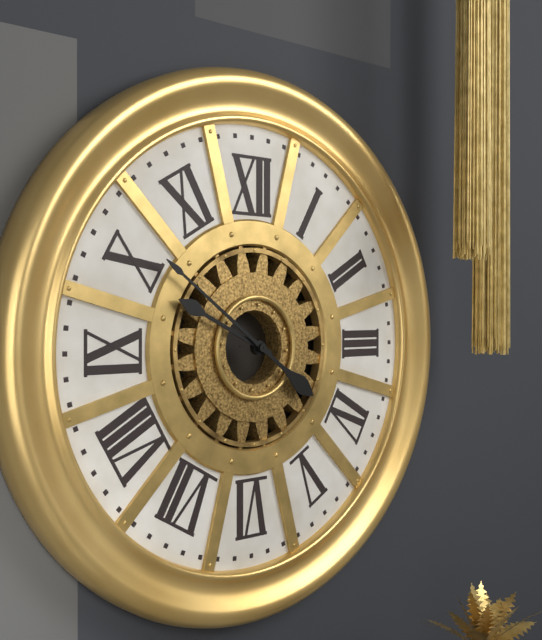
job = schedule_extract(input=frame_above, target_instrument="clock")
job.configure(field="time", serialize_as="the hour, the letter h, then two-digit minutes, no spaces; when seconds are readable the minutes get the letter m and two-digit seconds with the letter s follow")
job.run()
9h51
